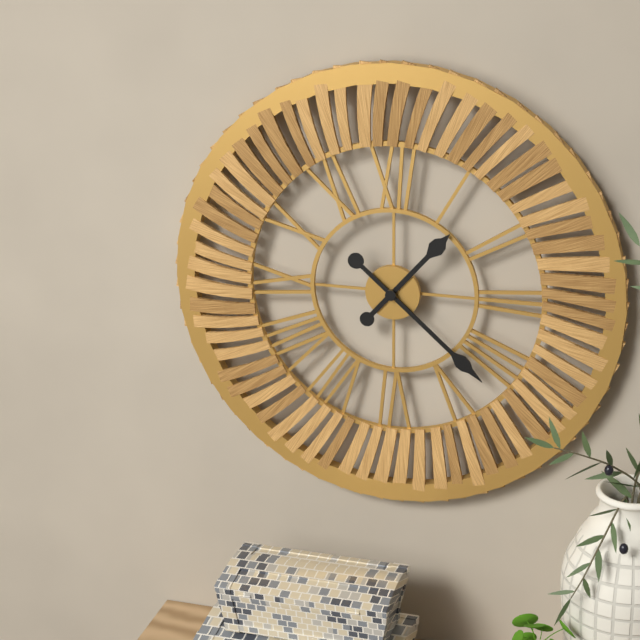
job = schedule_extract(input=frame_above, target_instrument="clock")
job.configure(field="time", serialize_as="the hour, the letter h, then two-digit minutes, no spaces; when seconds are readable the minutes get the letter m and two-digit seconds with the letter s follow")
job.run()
1h22
